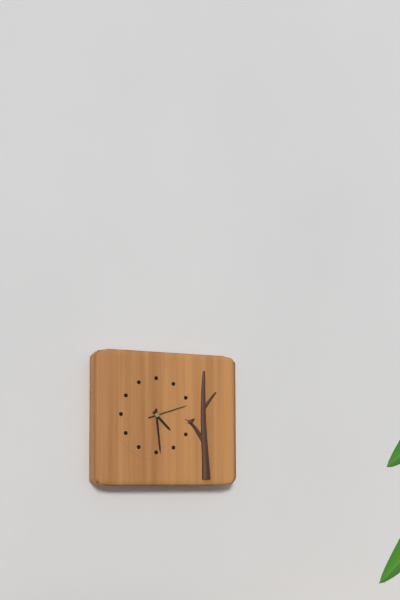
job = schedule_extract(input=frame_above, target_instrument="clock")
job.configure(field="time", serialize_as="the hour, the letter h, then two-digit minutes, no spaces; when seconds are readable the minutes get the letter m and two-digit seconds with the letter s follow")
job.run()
4h29
